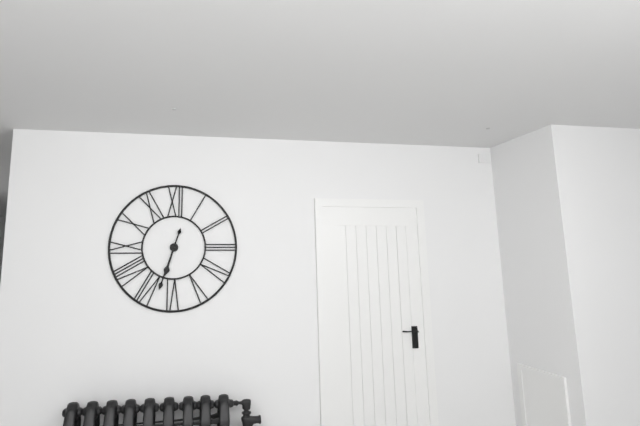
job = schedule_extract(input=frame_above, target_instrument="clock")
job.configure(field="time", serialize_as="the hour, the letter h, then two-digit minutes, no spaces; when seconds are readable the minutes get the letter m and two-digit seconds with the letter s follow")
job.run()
6h33
